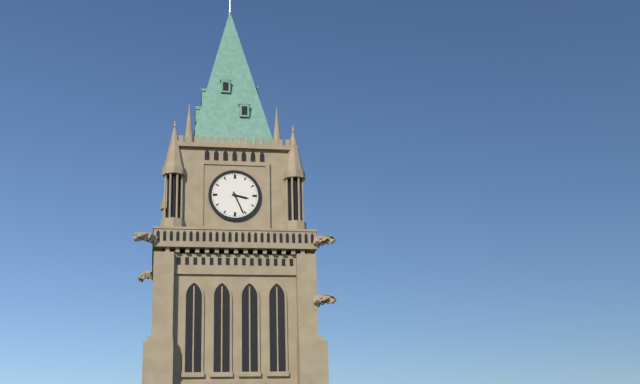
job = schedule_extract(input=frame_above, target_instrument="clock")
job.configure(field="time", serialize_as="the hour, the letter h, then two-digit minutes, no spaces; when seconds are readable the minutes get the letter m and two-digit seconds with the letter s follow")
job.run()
3h26
